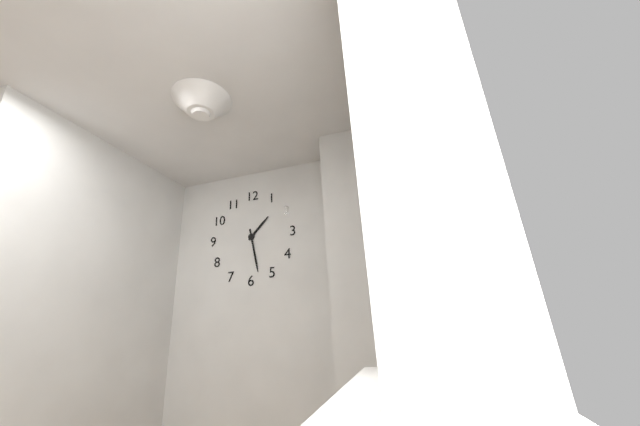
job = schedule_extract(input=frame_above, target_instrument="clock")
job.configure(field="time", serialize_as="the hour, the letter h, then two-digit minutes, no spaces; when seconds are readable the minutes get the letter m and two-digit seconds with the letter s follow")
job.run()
1h28
